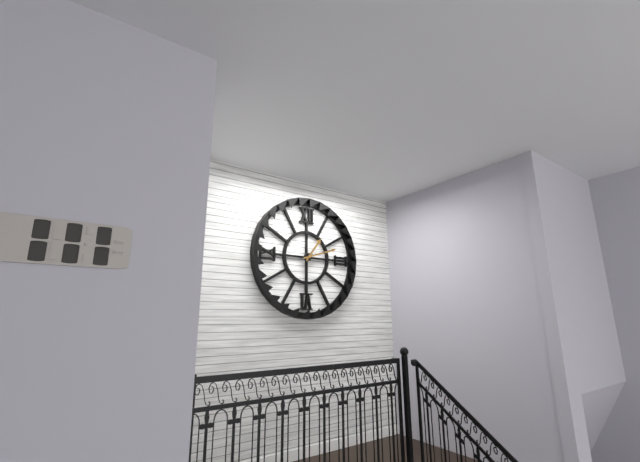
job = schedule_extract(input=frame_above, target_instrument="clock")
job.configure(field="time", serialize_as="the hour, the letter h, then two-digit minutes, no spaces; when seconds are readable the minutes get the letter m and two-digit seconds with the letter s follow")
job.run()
1h12
